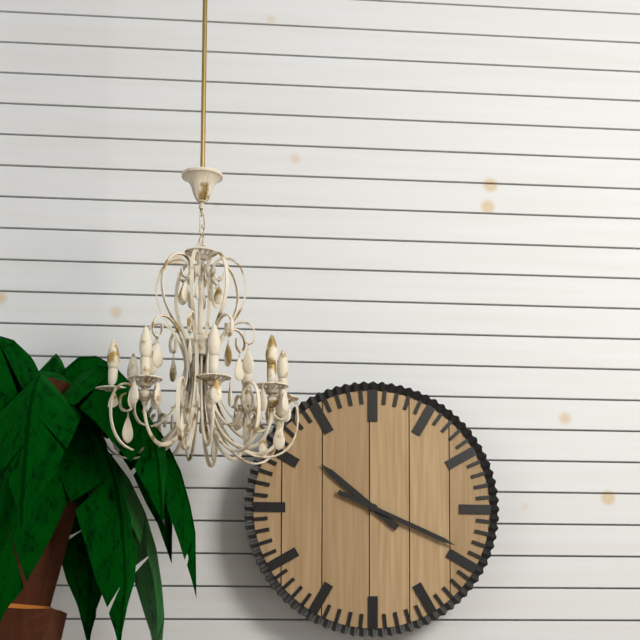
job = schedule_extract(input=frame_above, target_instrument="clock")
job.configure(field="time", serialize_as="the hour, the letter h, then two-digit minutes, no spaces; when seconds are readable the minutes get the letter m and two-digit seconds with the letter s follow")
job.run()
10h19
